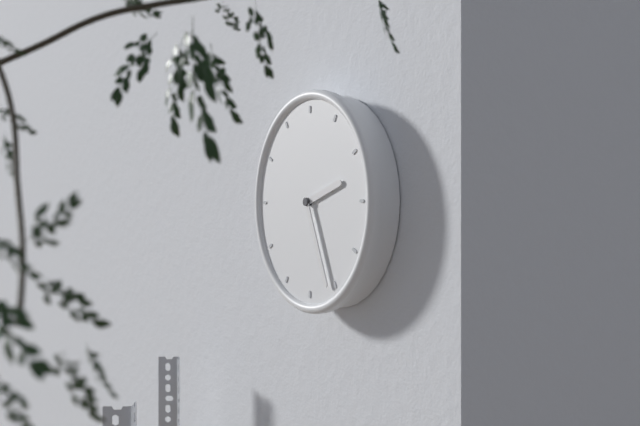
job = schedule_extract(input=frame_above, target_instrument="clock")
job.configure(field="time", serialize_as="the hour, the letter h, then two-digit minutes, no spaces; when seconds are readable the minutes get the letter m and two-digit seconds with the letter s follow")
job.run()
2h26
